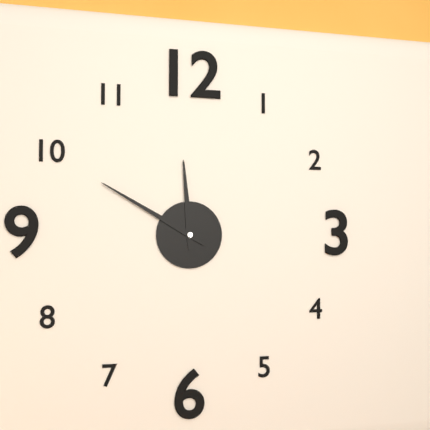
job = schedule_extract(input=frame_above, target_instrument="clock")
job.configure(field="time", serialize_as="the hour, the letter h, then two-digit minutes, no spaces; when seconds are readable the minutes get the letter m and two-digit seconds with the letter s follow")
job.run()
11h50
